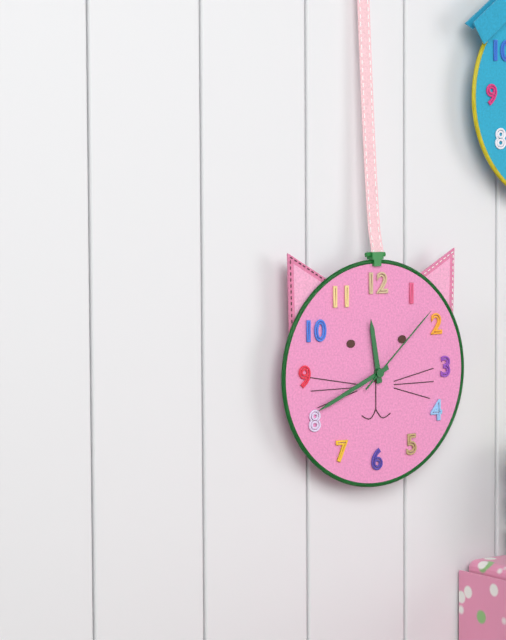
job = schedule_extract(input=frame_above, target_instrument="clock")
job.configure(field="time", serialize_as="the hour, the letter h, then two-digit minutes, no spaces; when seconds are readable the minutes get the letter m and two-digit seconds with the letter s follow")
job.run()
11h41m08s
